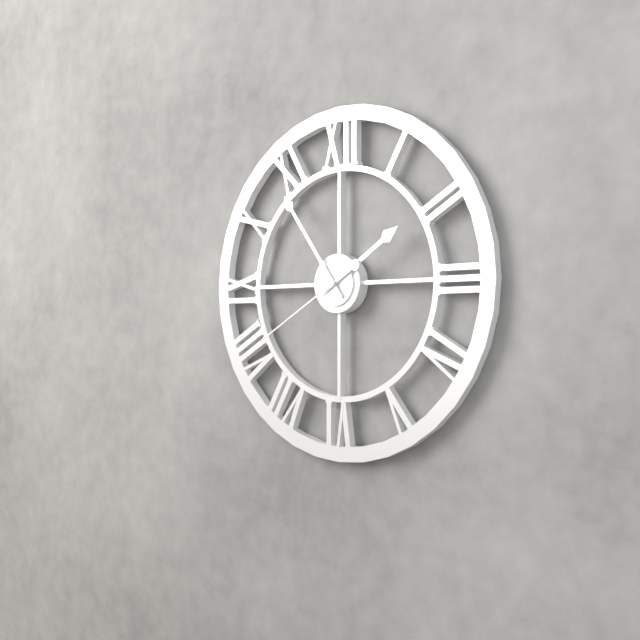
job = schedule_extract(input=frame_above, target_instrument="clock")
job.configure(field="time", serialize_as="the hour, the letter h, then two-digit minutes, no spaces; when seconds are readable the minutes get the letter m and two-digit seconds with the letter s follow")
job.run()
1h54m40s
